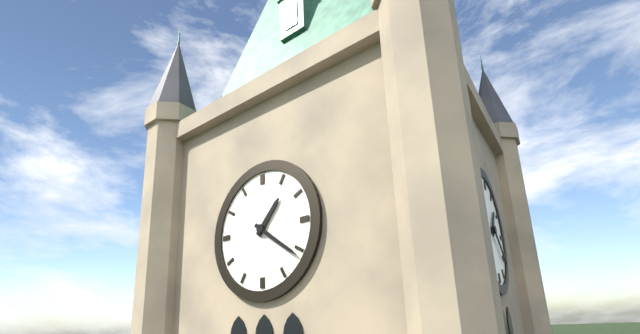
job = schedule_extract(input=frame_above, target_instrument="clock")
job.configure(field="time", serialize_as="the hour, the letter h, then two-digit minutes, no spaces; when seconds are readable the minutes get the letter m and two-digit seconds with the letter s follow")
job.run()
1h21
